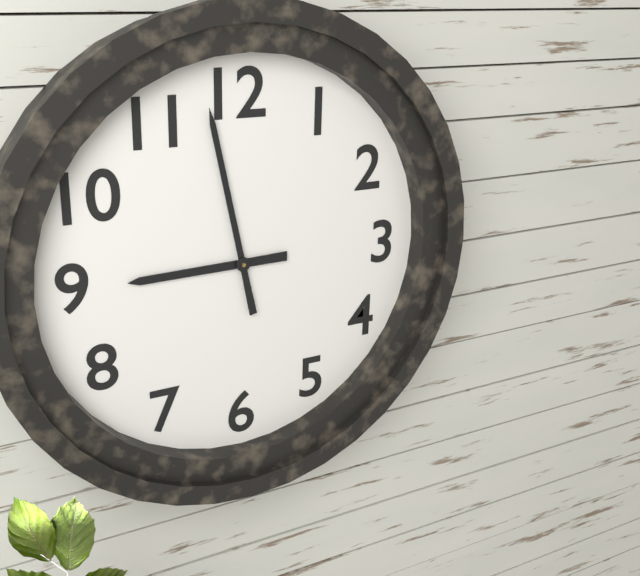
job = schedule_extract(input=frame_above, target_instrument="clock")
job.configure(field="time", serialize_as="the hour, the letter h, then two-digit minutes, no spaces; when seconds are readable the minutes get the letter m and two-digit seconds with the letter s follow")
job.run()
8h58
